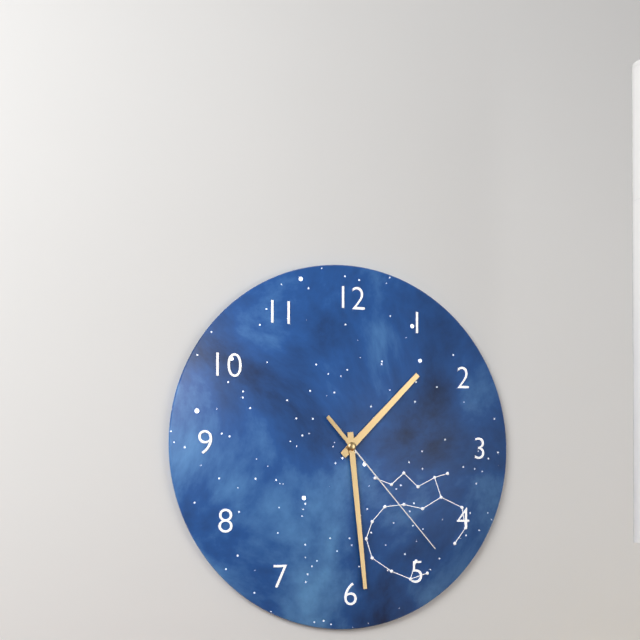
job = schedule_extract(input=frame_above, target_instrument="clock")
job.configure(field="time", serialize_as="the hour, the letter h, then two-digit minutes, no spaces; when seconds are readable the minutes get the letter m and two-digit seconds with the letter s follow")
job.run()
1h29m23s
